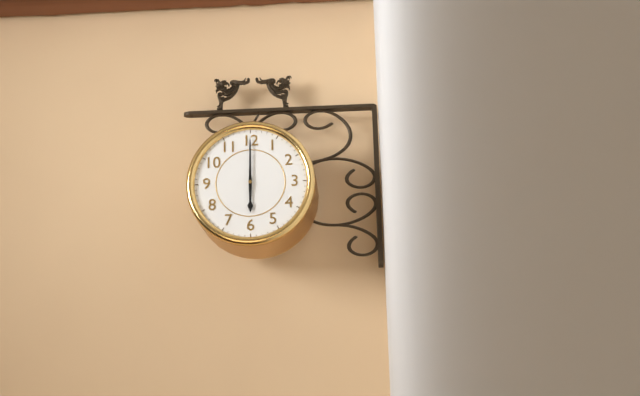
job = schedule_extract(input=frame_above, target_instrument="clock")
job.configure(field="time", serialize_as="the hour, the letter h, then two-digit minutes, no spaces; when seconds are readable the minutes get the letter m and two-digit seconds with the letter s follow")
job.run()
6h00
